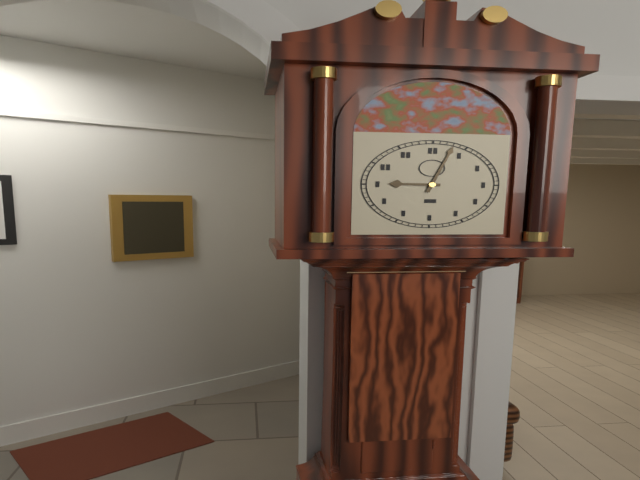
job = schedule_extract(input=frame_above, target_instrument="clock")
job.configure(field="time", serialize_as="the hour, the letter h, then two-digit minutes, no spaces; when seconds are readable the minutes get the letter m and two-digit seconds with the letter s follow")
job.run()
9h03
